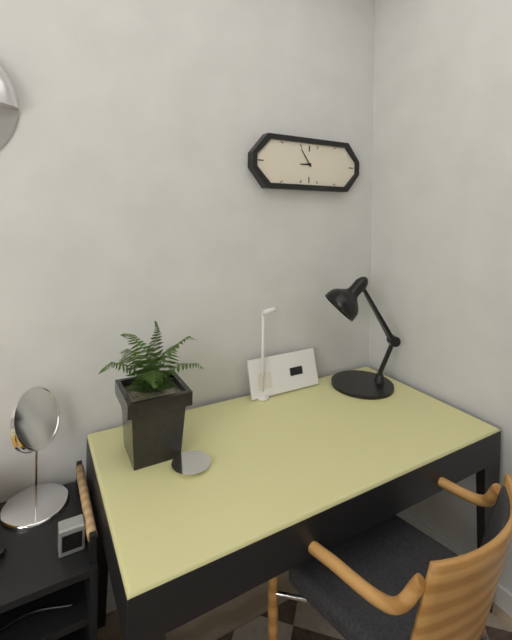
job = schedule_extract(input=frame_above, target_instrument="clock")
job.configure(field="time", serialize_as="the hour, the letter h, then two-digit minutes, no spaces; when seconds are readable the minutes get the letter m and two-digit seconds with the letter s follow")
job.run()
8h54
